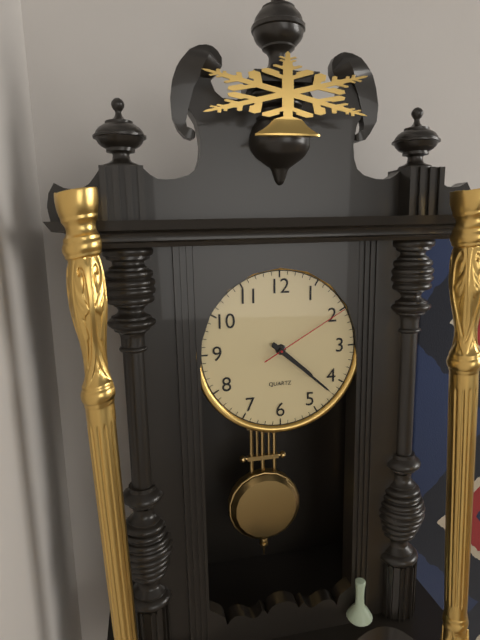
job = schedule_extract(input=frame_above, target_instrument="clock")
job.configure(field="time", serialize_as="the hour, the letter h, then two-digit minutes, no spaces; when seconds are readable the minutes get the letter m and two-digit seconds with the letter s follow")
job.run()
4h22m10s
